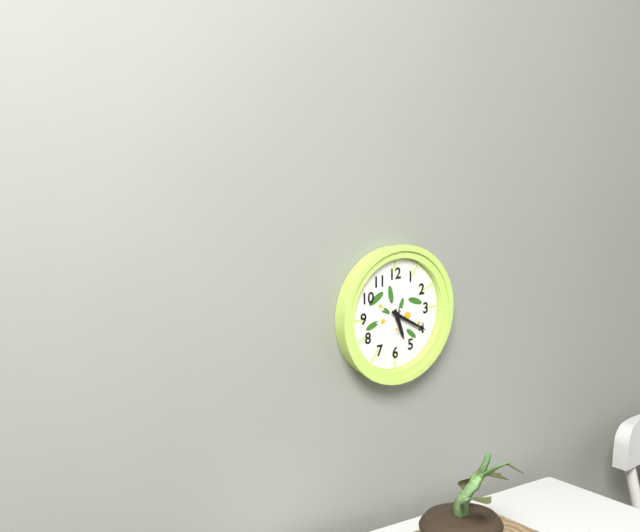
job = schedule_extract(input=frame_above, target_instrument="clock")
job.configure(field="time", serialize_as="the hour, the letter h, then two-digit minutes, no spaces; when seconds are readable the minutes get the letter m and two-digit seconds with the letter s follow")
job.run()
5h20
